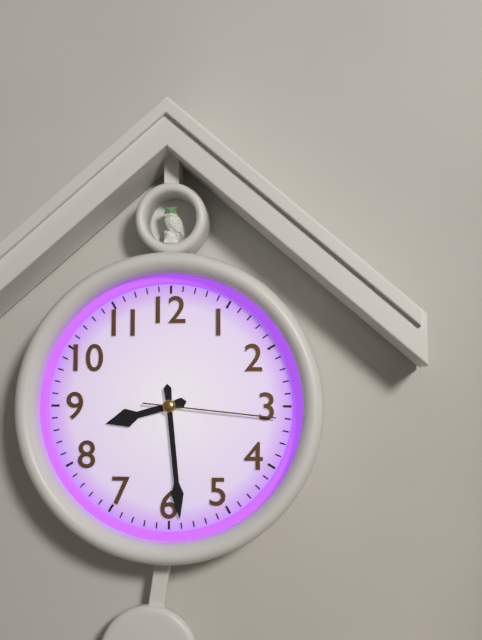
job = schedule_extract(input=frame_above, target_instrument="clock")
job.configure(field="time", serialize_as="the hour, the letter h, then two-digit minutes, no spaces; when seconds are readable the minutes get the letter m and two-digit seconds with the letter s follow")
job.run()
8h29m16s
